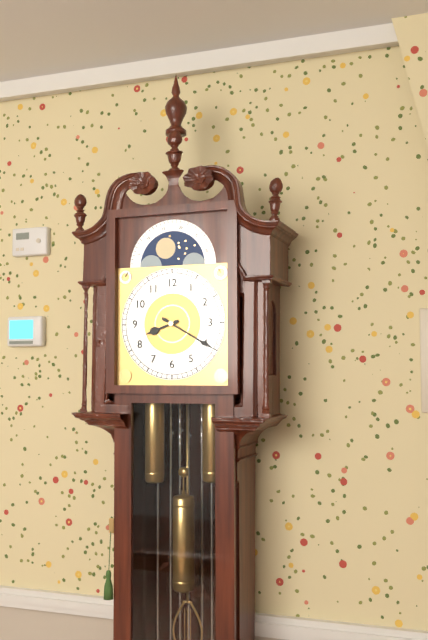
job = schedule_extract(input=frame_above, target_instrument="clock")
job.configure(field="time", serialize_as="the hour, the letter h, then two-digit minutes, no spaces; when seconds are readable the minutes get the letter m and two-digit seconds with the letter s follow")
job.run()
8h20
